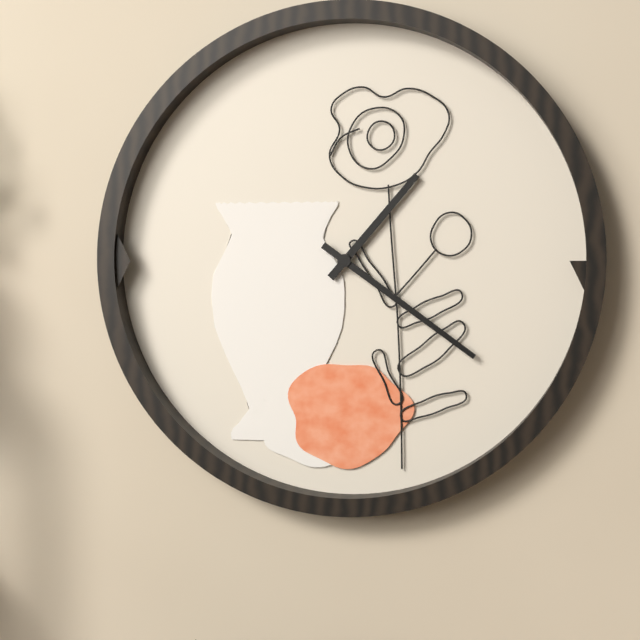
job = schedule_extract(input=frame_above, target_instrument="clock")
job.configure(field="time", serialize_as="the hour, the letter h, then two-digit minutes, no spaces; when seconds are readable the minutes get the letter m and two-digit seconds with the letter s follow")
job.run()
1h21
